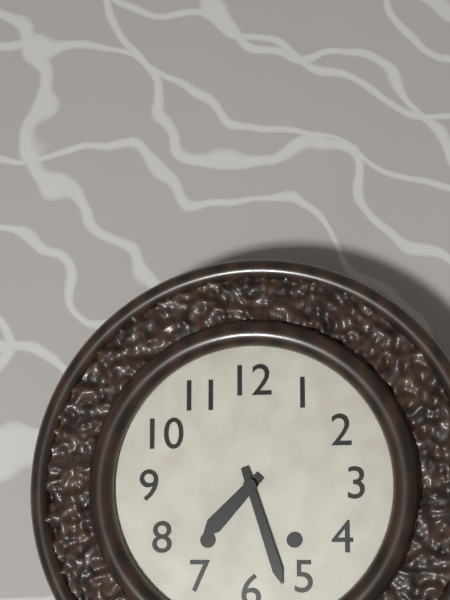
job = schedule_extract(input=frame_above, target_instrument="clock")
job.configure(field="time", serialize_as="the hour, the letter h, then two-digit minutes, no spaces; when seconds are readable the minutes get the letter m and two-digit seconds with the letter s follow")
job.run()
7h27
